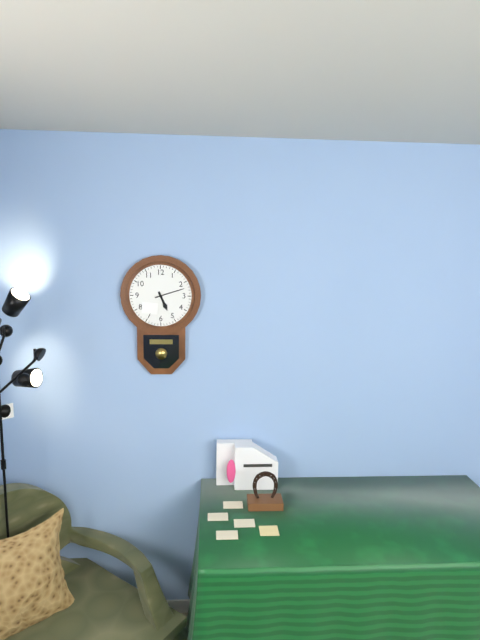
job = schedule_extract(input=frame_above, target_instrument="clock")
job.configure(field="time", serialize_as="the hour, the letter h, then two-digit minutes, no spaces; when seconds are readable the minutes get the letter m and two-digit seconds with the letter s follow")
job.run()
5h12
